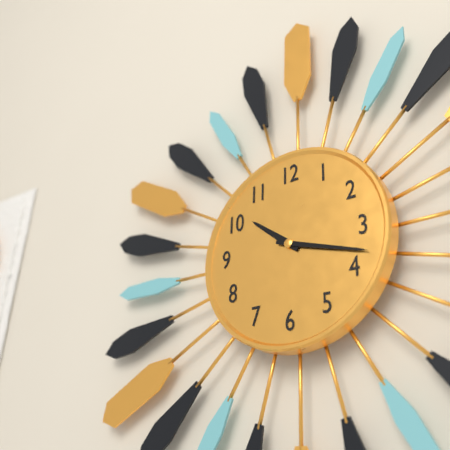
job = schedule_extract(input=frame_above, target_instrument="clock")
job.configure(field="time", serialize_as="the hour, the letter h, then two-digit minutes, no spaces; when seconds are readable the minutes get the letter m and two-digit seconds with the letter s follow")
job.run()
10h18
